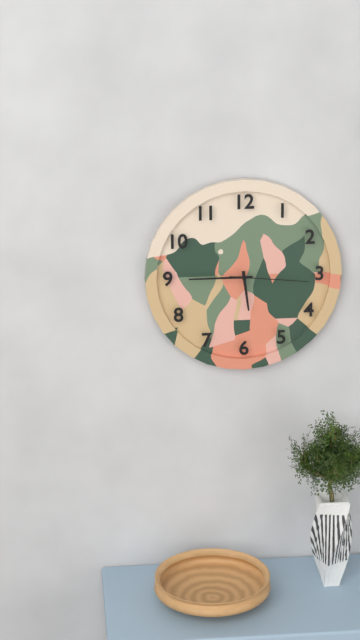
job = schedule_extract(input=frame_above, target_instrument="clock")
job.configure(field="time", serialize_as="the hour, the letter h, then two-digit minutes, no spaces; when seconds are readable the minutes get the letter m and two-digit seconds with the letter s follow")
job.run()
5h45m16s
